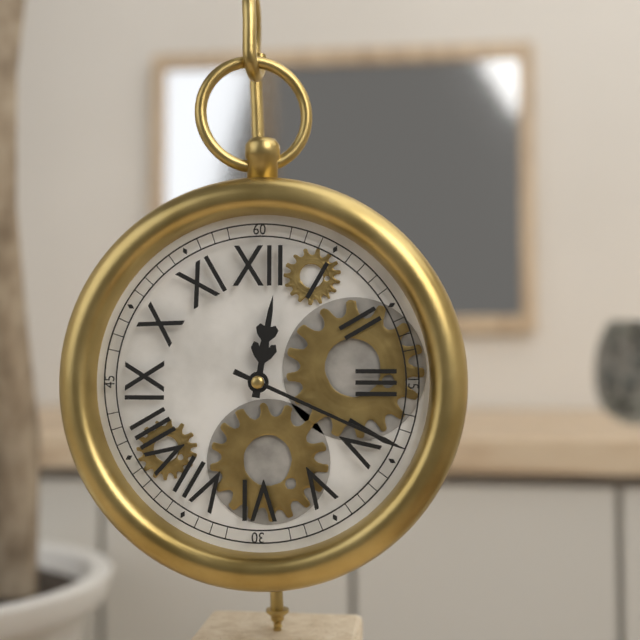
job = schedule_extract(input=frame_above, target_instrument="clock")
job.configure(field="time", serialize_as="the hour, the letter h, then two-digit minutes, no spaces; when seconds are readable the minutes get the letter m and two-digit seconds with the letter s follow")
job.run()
12h19
